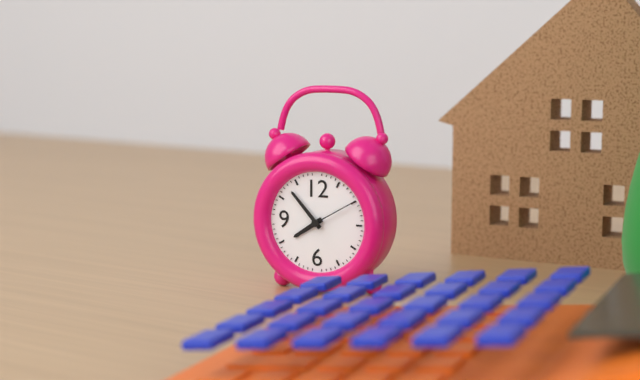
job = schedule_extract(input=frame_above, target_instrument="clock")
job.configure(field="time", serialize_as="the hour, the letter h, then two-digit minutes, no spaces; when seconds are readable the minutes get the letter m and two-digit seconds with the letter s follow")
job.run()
7h53m10s
